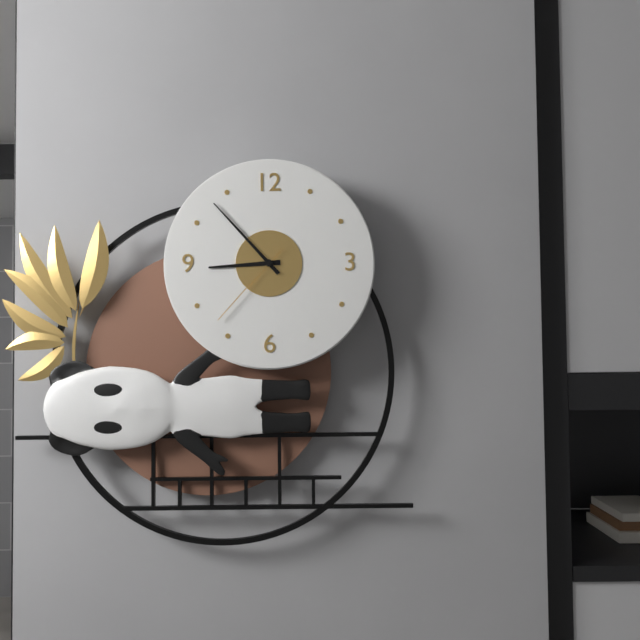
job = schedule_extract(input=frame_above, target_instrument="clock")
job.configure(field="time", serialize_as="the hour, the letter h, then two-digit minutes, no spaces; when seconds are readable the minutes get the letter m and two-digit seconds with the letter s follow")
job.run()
8h53m37s
